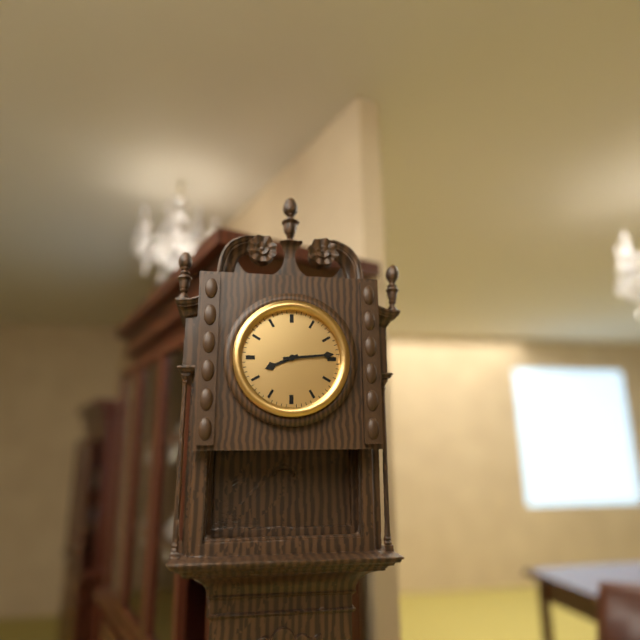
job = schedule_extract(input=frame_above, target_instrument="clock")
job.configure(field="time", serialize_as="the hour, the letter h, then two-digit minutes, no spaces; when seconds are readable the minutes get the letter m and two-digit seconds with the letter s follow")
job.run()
8h14
